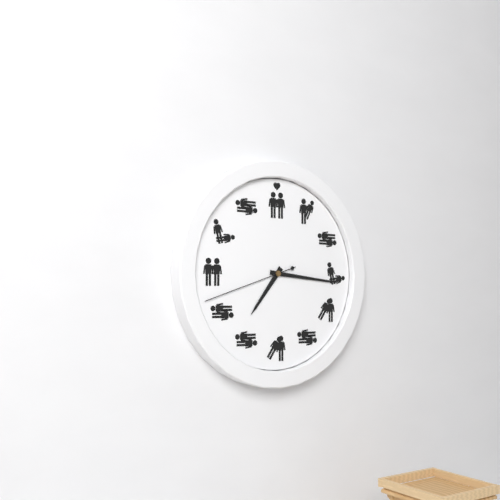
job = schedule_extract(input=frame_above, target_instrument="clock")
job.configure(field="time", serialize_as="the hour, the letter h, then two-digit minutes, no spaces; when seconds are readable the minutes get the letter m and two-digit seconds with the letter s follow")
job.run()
7h16m42s
